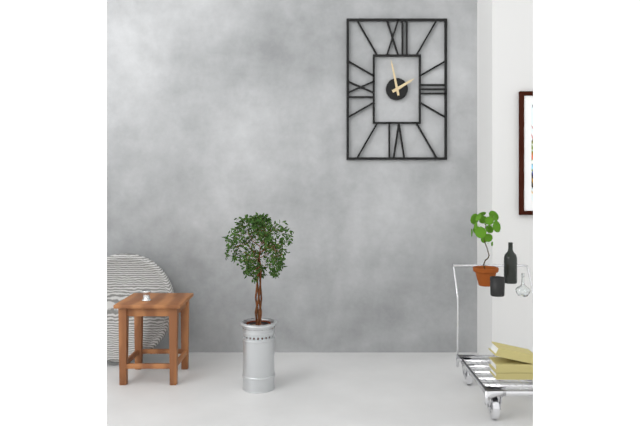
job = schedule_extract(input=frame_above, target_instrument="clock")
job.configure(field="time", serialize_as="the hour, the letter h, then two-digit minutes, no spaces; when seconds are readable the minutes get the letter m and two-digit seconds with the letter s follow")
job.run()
1h58
